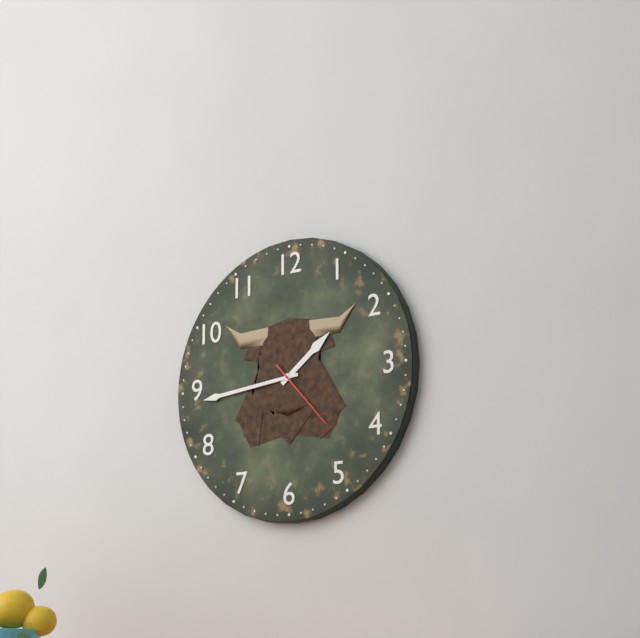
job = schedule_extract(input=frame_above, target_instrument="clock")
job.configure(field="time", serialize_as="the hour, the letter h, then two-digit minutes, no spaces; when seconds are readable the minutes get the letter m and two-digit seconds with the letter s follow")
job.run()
1h44m23s
